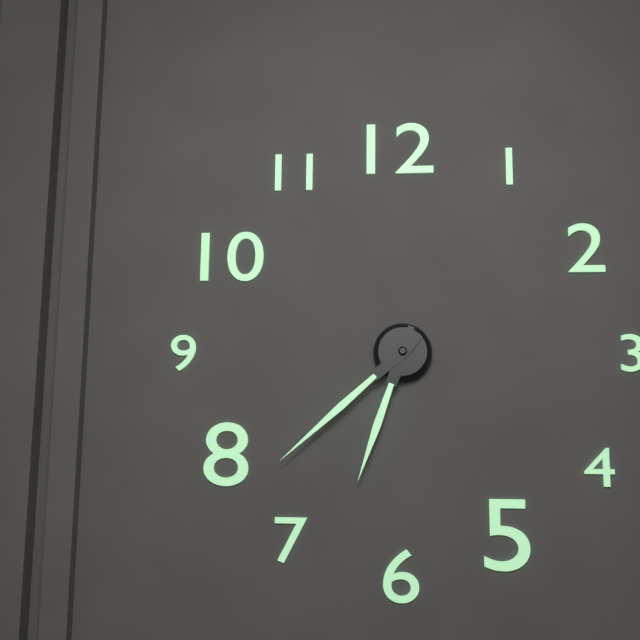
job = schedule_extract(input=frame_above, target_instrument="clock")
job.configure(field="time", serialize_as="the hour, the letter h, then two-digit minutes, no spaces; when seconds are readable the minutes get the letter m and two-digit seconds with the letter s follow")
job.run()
6h38
